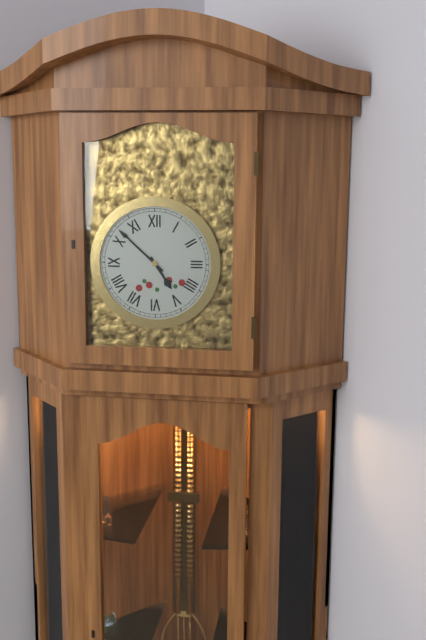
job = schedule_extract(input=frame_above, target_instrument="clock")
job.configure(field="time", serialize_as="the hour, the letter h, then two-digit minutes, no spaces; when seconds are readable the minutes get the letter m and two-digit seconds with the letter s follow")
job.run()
4h52
